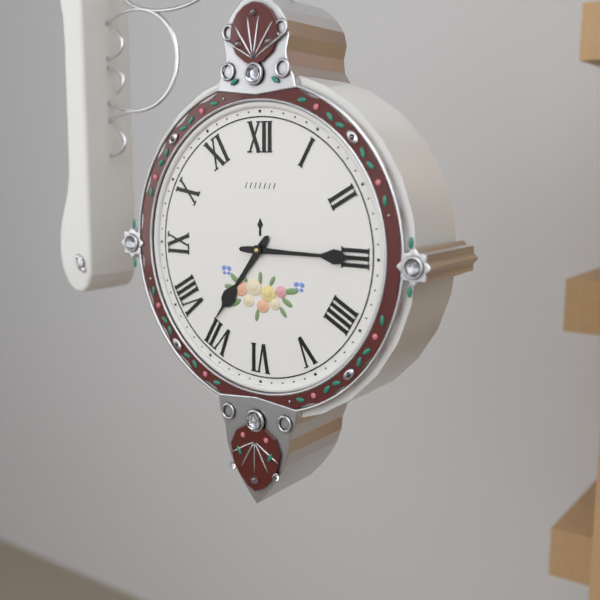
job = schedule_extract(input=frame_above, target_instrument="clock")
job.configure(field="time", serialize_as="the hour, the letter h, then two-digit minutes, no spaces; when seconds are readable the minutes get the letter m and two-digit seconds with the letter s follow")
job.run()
7h15
